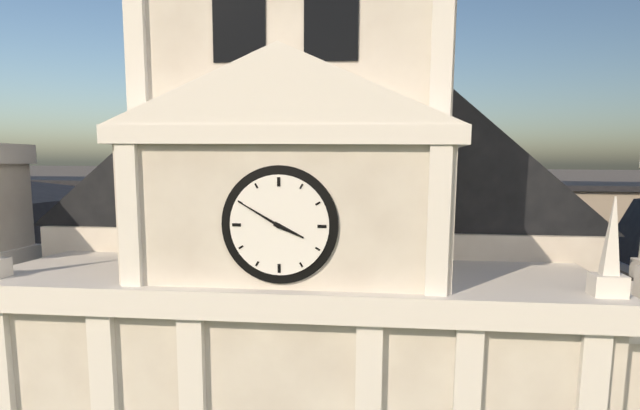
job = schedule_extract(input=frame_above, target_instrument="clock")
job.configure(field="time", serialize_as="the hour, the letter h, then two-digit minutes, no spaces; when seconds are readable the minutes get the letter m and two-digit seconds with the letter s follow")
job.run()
3h50
